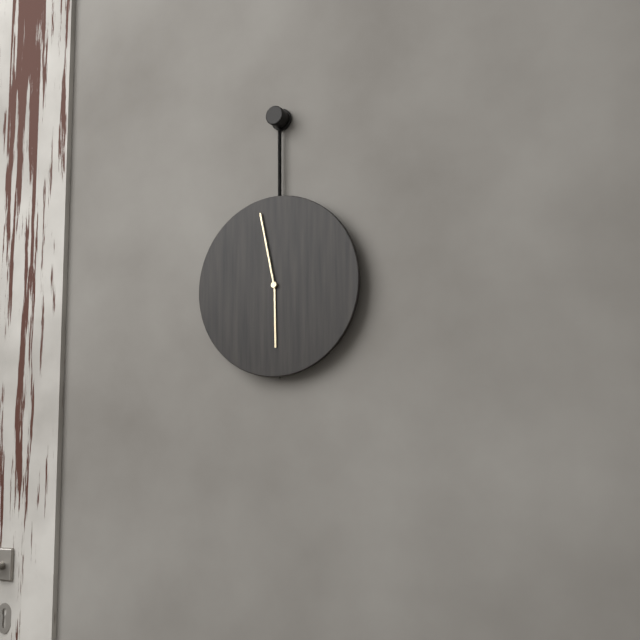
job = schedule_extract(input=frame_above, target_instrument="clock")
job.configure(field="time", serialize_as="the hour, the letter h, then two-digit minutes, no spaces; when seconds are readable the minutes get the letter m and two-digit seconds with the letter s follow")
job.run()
5h58
